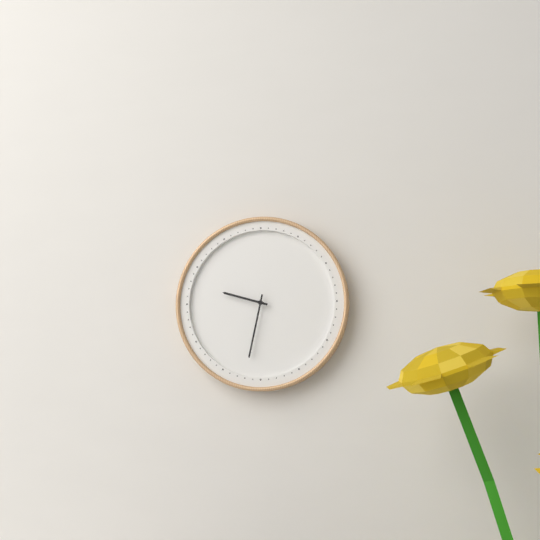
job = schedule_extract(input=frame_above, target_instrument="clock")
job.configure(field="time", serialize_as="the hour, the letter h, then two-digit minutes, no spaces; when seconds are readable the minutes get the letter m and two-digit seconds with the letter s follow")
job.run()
9h32
